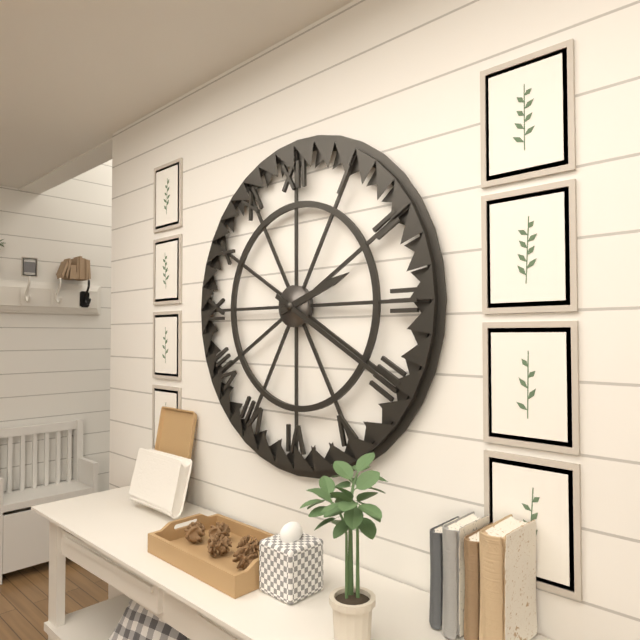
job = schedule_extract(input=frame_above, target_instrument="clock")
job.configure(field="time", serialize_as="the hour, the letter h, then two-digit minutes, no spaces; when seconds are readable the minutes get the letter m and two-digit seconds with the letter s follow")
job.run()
2h20
